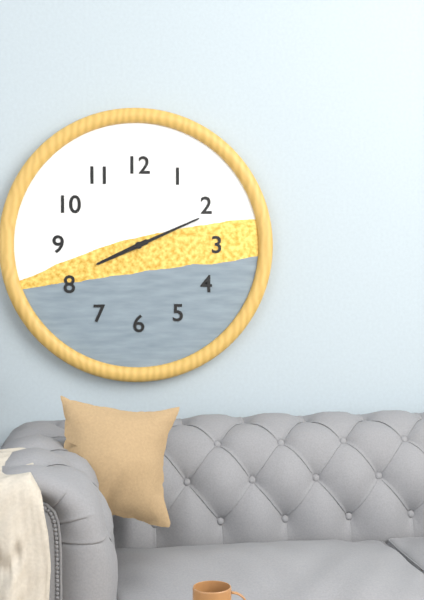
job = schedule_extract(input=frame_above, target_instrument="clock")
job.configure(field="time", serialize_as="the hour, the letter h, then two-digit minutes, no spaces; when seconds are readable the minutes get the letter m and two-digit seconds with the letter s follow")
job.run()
8h11
